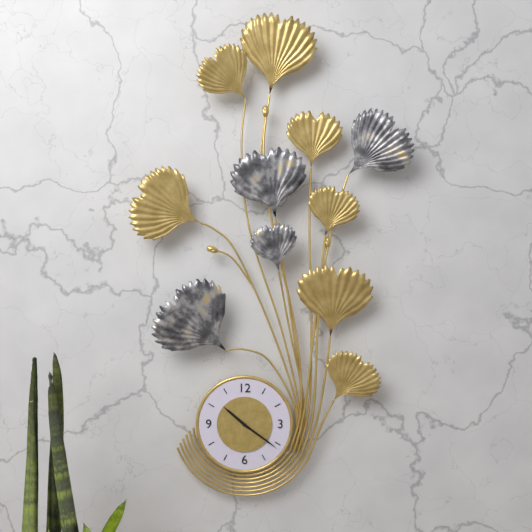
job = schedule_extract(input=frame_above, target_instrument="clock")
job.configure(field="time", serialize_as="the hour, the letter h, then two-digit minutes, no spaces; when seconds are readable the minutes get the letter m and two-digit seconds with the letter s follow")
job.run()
10h21
